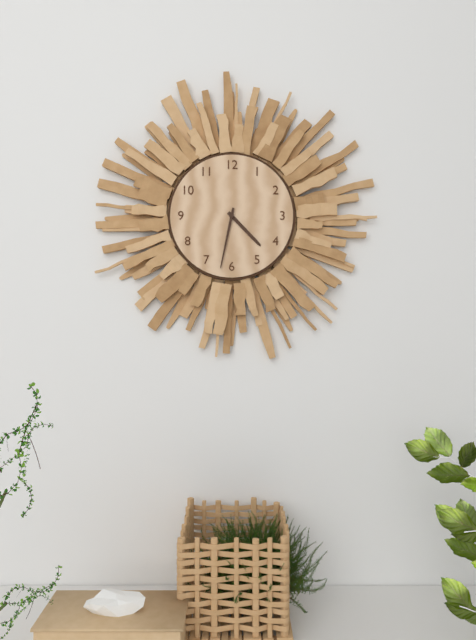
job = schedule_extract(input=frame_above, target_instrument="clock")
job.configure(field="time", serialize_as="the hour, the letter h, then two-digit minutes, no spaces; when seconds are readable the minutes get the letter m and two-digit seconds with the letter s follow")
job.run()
4h32
